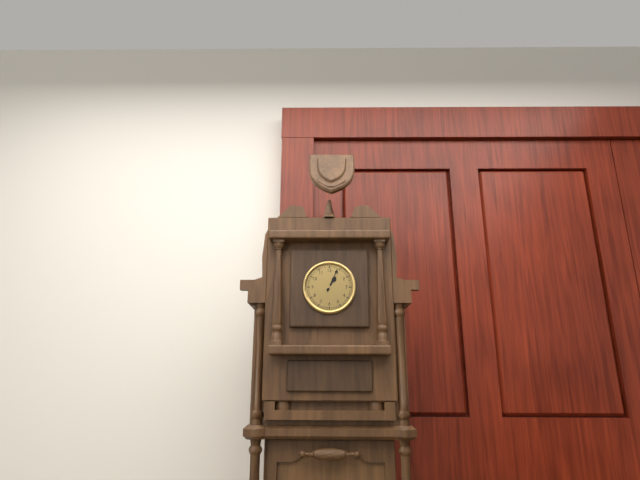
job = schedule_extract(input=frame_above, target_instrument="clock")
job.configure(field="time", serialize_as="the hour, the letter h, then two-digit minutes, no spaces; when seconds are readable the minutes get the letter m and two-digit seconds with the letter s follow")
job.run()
1h04
